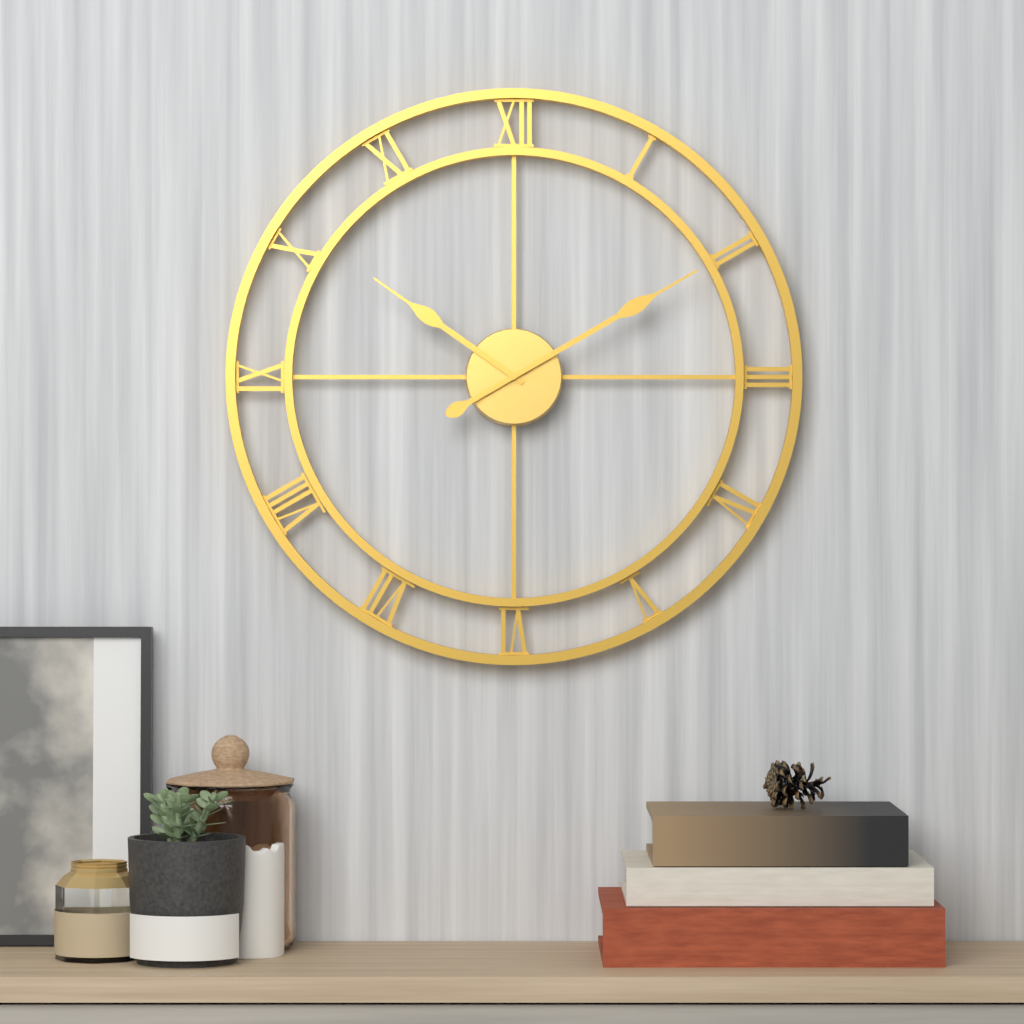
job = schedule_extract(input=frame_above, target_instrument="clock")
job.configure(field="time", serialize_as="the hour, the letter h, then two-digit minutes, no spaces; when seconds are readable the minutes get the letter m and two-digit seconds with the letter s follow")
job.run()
10h10
